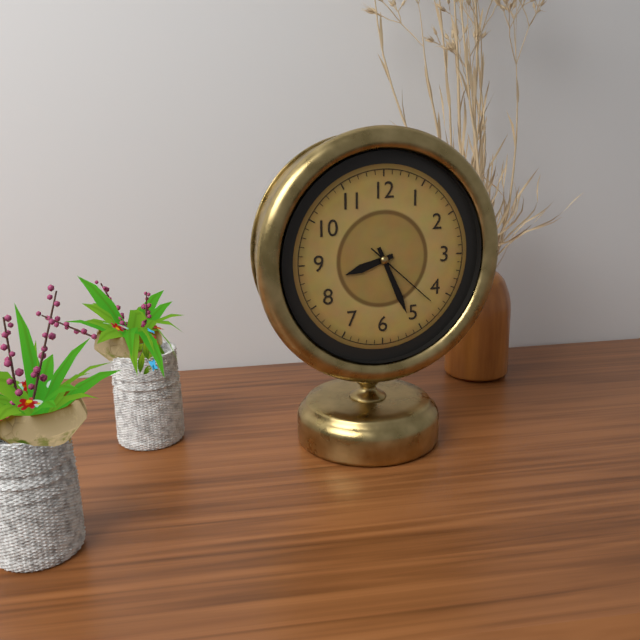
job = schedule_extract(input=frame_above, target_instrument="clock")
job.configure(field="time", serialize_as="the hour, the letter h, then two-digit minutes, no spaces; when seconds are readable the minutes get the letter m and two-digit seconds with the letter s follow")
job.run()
8h26m22s
